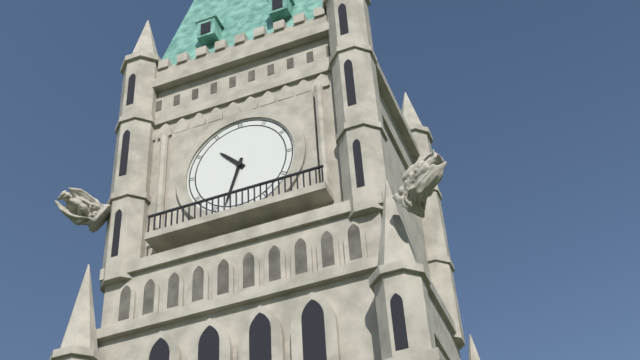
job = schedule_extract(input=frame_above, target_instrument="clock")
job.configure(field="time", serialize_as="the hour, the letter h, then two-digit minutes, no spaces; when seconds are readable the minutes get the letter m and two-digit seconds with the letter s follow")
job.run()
10h33
